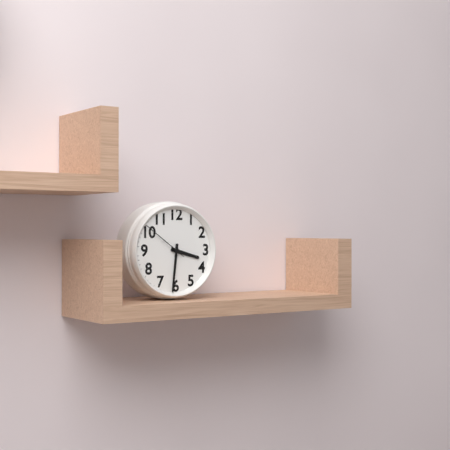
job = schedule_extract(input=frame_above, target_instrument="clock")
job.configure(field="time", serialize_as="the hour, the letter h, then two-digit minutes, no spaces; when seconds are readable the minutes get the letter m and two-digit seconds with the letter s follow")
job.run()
3h31
